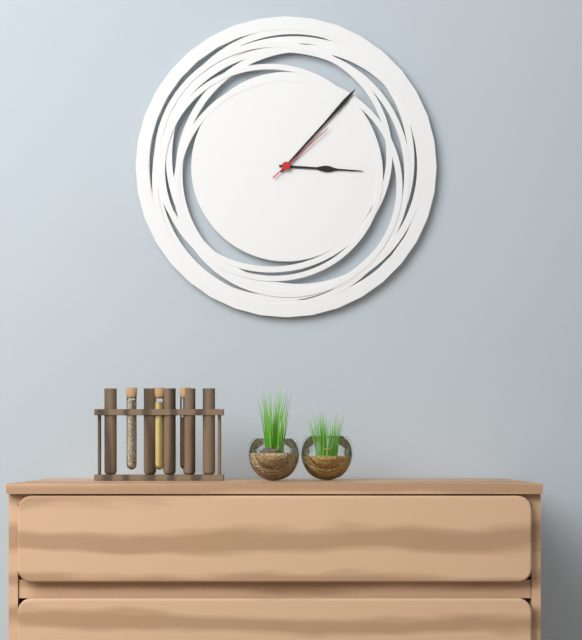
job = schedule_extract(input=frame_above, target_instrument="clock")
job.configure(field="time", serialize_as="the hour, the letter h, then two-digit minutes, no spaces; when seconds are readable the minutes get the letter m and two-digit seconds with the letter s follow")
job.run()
3h07m08s
